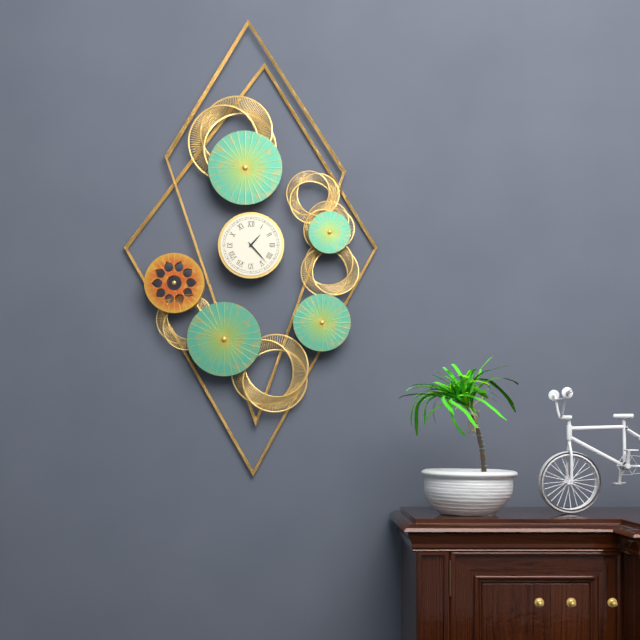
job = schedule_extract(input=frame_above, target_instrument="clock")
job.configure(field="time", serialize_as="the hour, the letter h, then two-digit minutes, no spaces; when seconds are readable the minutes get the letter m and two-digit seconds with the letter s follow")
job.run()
1h23
